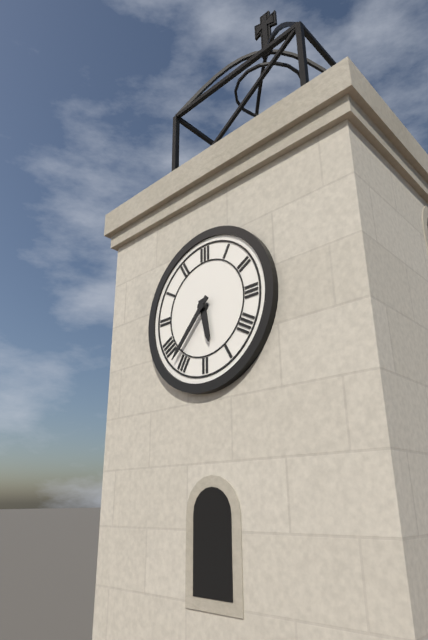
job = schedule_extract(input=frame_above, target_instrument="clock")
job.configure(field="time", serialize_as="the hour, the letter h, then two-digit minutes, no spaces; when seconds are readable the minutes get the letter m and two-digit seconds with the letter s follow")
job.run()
5h37
